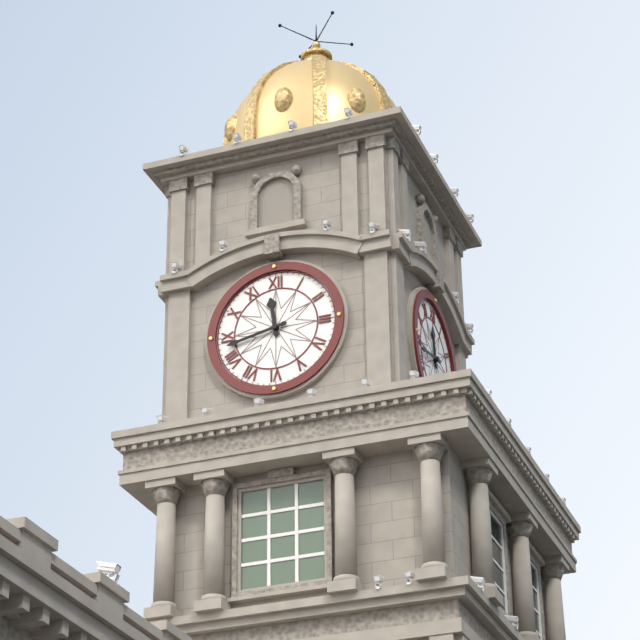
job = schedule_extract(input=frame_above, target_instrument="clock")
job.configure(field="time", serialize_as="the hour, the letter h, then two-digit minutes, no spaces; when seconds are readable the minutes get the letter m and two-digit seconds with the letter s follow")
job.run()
11h43
